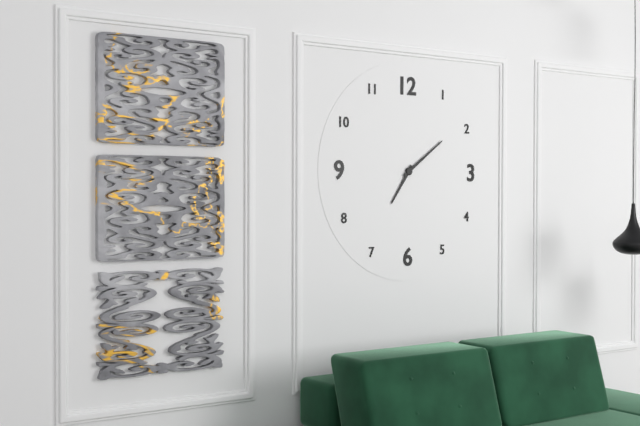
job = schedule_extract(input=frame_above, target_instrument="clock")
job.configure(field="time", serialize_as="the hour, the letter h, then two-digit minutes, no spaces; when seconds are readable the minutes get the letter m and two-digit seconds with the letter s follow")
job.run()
7h09
